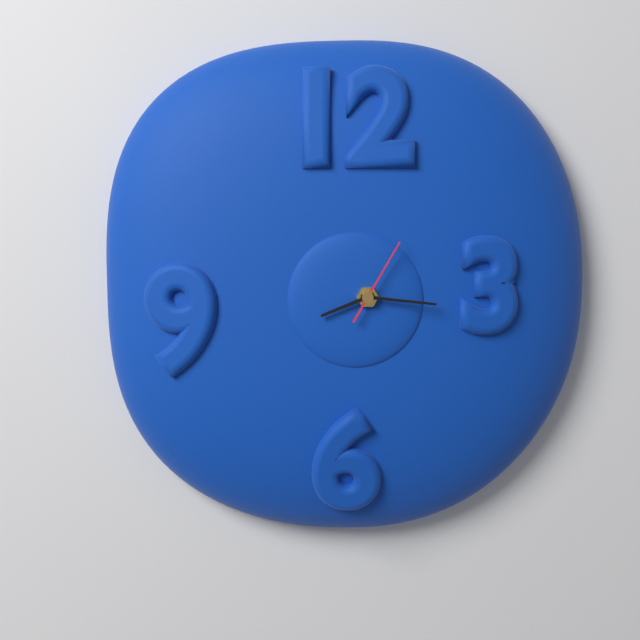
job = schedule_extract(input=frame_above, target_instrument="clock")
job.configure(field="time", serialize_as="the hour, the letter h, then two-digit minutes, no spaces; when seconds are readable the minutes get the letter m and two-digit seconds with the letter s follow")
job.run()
8h16m05s
